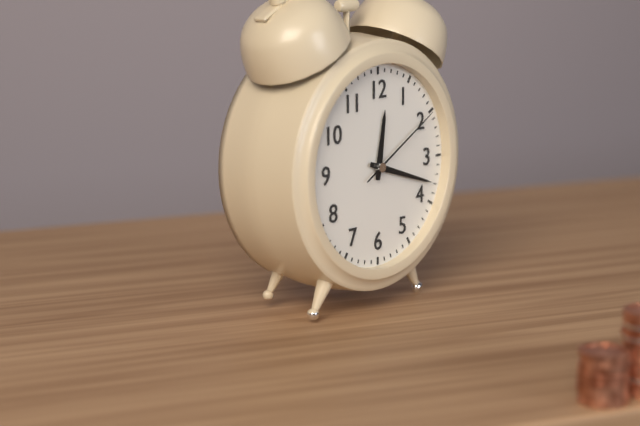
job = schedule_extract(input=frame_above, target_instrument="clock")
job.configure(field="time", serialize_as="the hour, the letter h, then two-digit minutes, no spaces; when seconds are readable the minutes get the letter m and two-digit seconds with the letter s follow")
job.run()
12h18m10s
